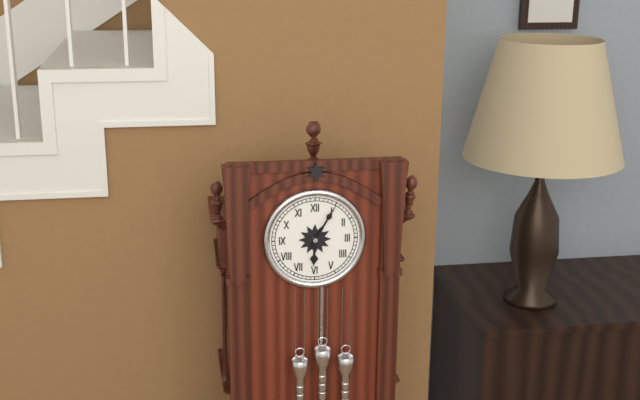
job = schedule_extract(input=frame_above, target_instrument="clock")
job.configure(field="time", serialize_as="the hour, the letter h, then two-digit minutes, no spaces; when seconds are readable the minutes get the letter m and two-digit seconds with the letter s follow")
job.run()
6h05
